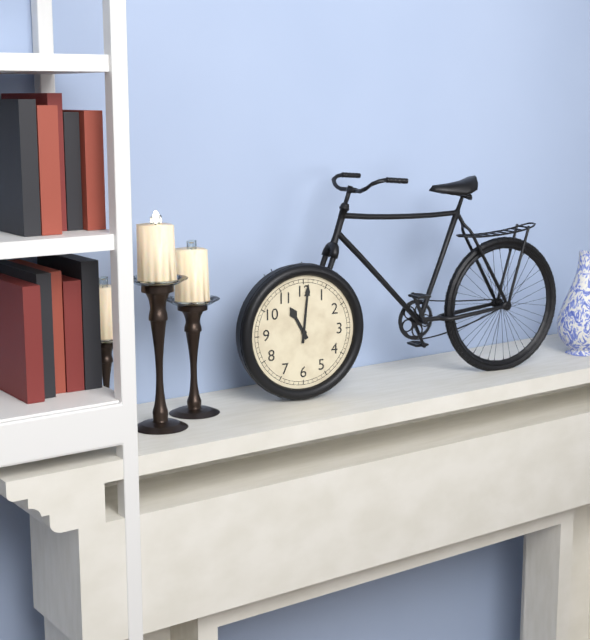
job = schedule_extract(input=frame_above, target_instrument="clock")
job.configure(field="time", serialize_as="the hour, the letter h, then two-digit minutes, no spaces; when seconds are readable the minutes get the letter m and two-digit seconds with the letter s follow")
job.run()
11h01
